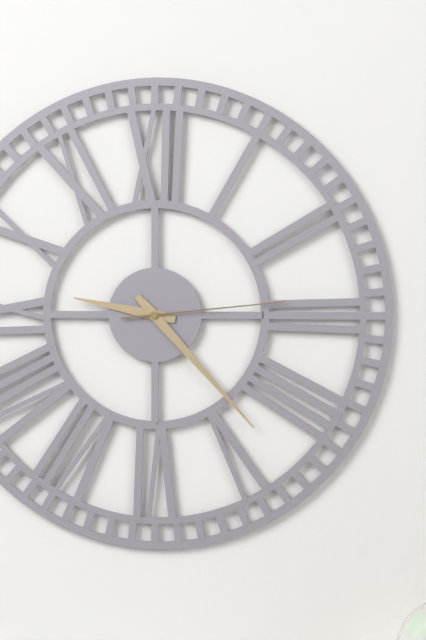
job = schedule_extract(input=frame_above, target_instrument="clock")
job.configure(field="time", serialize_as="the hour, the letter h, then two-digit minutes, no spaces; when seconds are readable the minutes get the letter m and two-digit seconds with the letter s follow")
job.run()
9h23m14s
